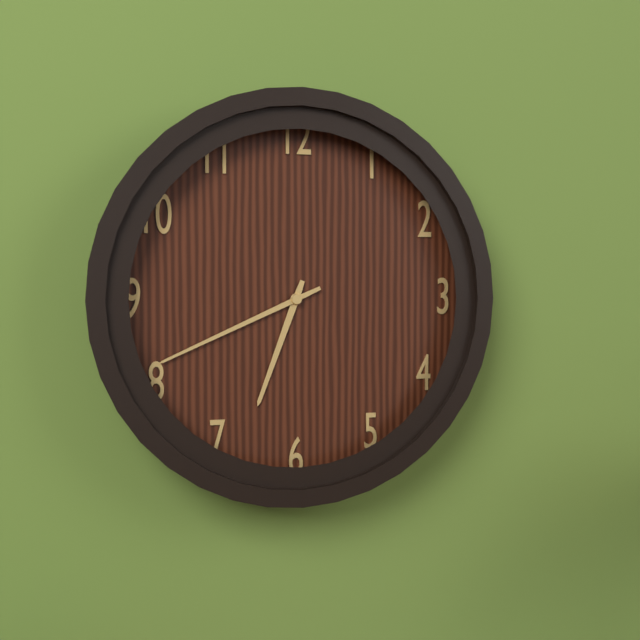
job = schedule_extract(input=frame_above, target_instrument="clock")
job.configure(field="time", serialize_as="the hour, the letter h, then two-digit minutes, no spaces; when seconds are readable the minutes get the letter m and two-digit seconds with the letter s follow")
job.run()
6h41
